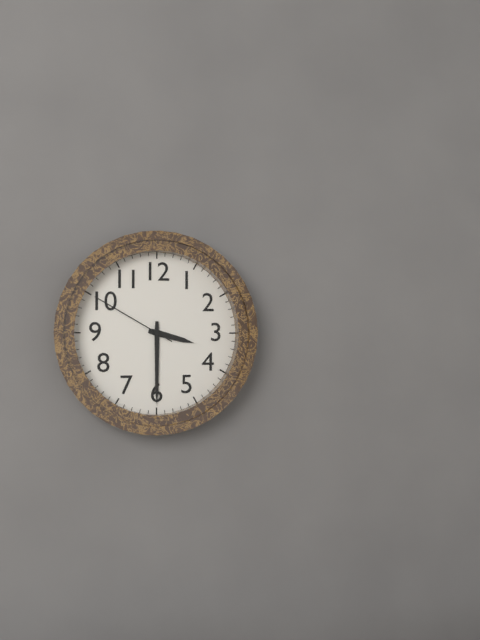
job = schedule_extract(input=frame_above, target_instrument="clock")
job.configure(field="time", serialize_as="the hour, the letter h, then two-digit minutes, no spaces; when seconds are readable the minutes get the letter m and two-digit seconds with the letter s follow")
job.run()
3h30m50s
